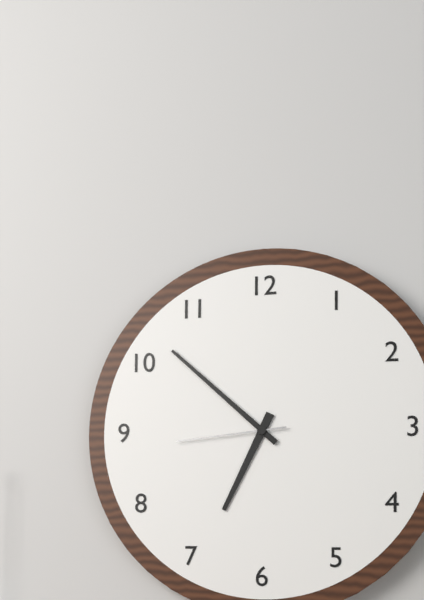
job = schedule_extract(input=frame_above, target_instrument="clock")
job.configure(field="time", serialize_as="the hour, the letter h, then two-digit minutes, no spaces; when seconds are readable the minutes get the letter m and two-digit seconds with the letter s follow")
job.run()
6h52m44s
